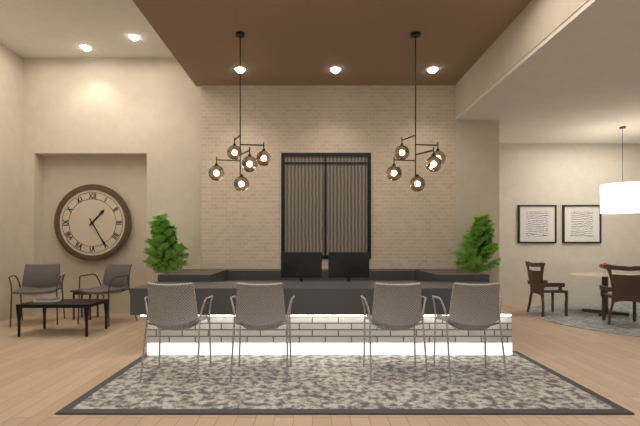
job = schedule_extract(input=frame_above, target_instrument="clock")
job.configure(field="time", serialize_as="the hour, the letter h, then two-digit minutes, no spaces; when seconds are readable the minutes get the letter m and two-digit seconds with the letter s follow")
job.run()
1h25
